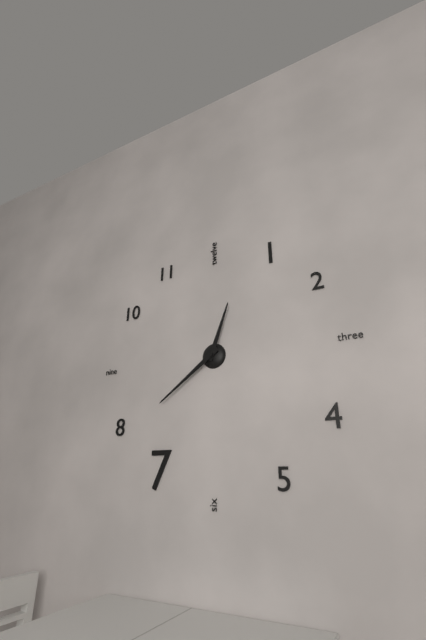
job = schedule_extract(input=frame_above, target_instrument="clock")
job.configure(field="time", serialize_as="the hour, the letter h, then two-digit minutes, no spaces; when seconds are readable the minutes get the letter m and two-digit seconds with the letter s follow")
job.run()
12h39
